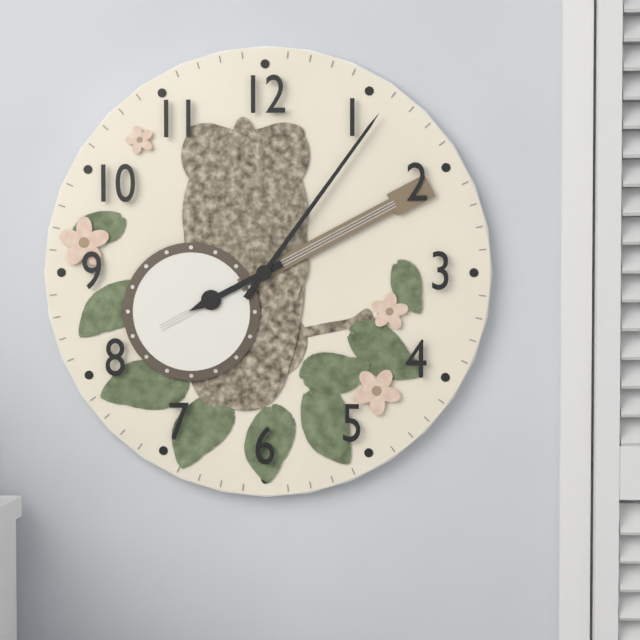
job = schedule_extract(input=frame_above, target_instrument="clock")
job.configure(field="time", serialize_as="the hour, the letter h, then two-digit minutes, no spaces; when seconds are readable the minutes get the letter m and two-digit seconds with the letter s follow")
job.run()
8h06
